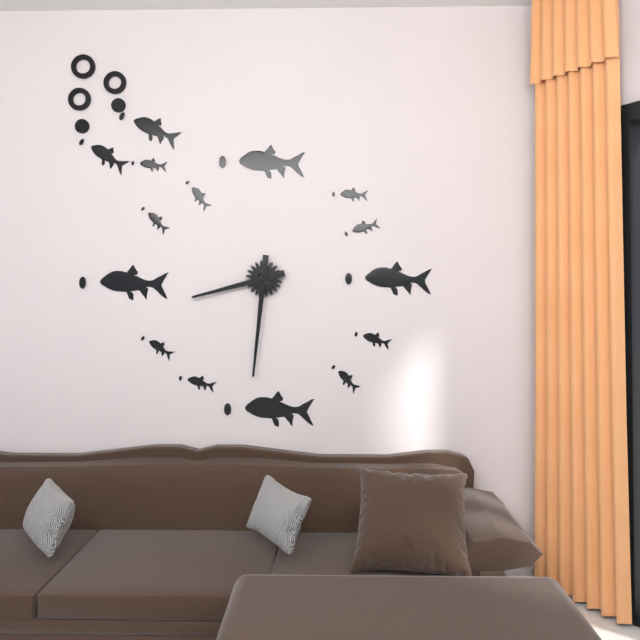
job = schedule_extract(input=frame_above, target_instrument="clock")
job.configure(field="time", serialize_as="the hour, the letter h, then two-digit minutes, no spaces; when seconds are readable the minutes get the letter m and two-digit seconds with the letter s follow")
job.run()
8h31
